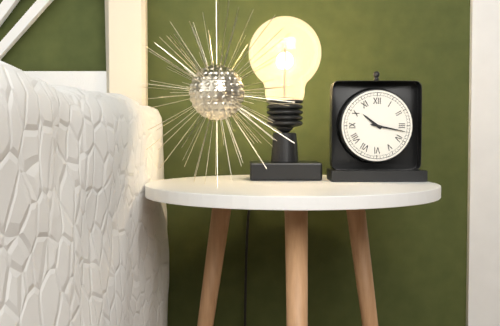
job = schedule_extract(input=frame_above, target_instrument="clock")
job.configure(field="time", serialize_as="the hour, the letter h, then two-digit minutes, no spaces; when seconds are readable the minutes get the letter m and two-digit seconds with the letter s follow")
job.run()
10h17
